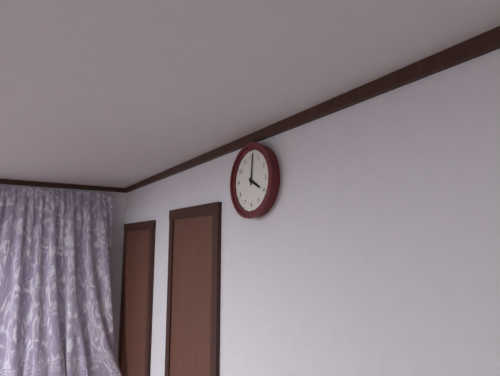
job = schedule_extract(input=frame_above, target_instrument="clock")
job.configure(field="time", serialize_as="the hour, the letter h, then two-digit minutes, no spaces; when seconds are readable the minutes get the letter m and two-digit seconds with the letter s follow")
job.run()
4h01
